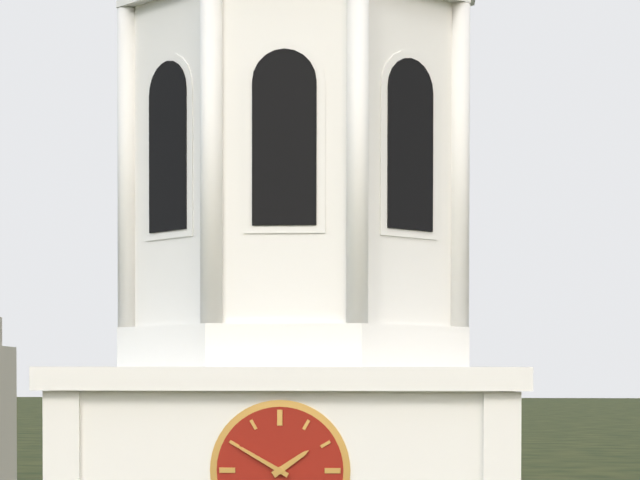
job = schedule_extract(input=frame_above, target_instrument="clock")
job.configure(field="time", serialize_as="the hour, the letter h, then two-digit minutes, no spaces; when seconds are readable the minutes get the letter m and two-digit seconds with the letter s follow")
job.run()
1h50
